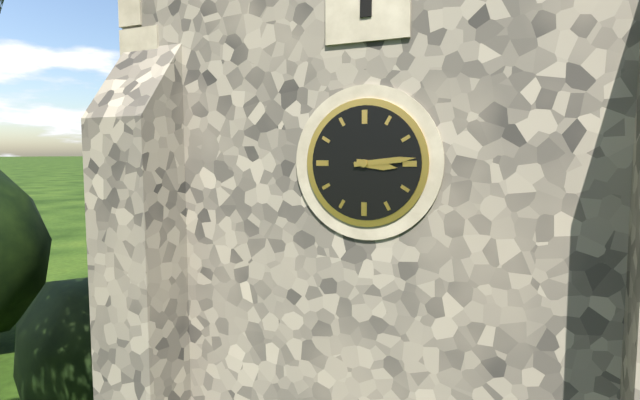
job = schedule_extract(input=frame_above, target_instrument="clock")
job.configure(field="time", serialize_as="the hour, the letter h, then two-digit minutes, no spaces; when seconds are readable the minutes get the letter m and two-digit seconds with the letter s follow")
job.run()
3h14
